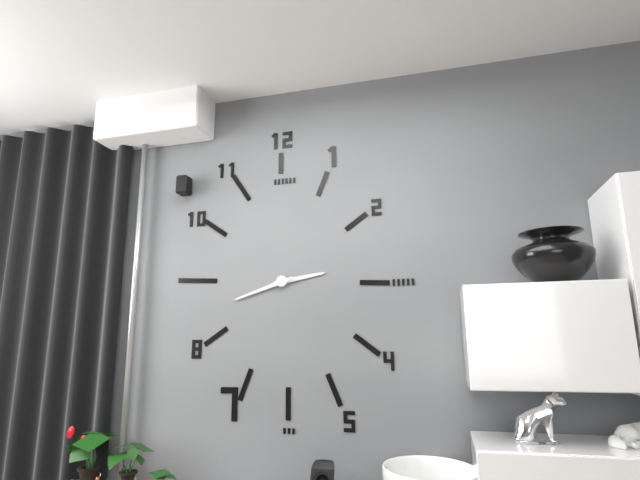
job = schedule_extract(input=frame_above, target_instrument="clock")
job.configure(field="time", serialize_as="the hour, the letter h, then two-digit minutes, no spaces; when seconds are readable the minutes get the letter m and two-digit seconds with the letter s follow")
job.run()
2h42
